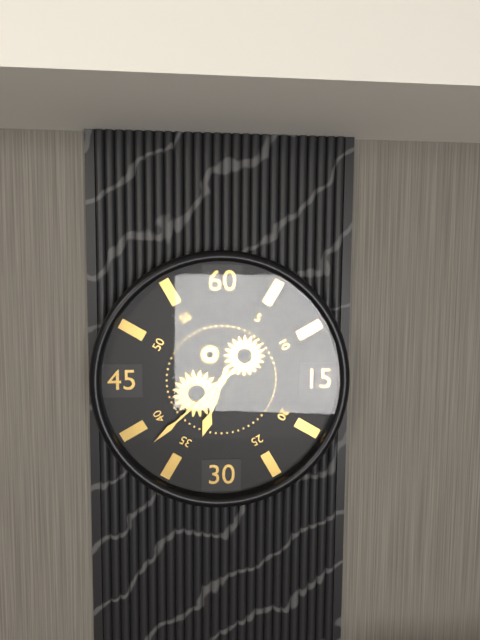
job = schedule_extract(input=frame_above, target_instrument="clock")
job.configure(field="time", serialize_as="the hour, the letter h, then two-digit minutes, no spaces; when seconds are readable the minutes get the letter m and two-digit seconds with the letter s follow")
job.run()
6h38
